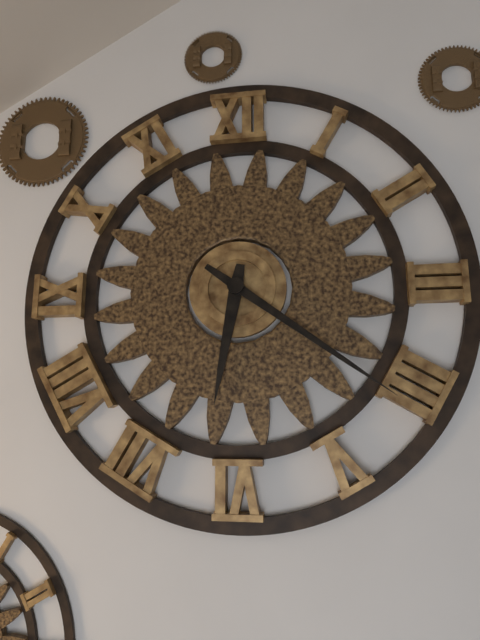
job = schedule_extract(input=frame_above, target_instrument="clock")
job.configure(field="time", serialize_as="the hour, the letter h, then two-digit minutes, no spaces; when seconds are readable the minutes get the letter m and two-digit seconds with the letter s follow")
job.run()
6h21
